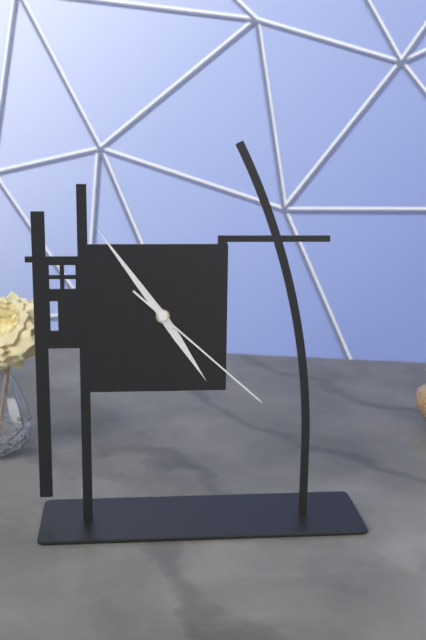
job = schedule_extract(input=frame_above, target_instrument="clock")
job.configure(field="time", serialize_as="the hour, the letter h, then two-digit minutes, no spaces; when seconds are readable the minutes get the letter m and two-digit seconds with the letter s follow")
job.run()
4h54m22s
